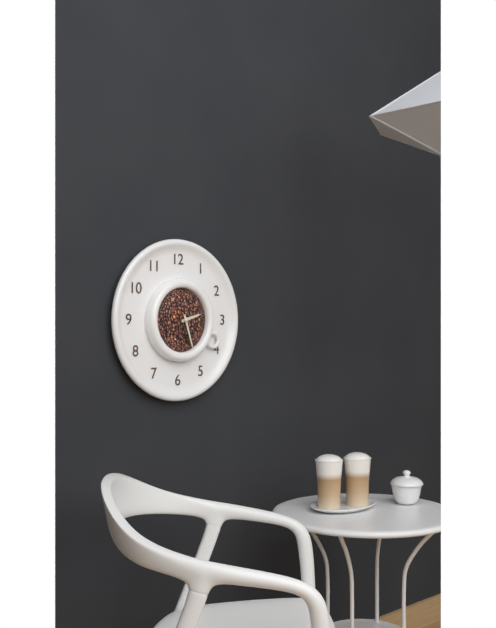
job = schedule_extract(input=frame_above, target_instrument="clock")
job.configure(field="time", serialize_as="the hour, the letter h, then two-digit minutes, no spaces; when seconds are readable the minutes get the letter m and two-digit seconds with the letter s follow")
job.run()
2h27
